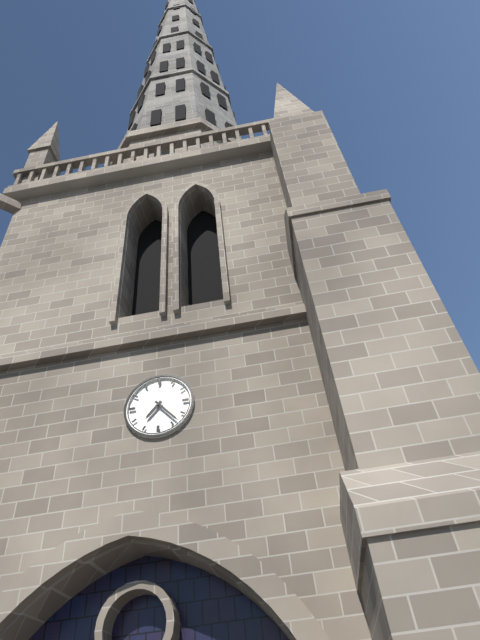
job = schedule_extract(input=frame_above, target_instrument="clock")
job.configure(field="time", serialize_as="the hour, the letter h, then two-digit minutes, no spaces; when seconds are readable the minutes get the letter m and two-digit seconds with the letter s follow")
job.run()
7h23
